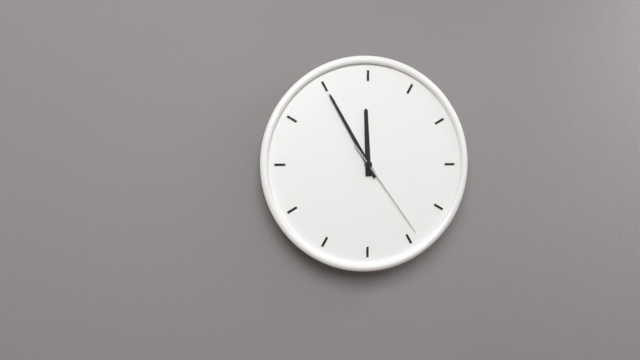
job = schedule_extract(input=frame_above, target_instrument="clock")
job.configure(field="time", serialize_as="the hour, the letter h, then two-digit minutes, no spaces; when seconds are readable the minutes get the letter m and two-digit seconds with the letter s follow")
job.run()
11h55m24s
